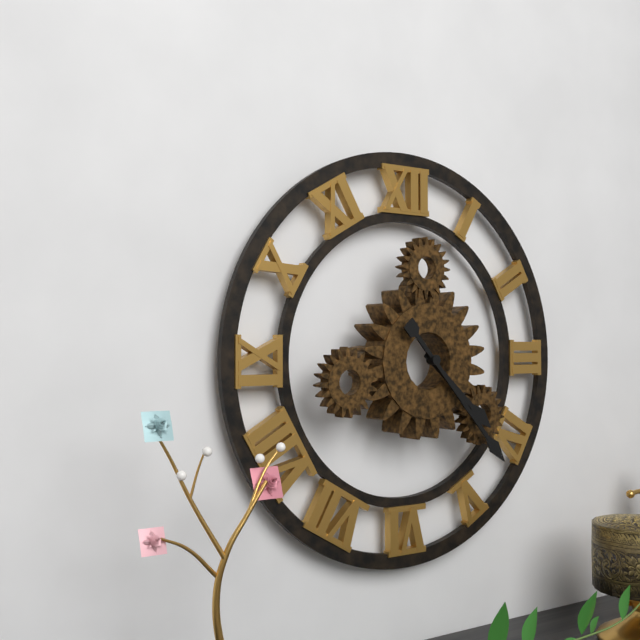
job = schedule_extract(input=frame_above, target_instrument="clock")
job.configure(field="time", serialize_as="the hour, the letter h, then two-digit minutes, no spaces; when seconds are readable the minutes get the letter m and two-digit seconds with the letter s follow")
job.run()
4h23
